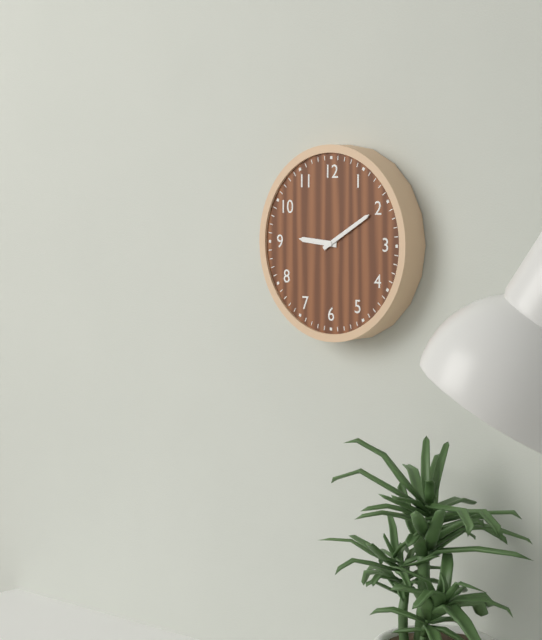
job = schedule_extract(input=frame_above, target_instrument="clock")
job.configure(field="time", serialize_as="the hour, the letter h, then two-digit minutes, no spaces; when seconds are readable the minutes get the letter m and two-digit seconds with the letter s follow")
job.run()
9h10
